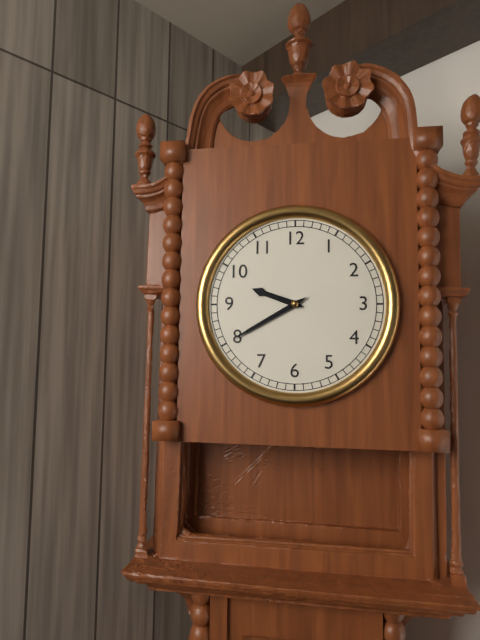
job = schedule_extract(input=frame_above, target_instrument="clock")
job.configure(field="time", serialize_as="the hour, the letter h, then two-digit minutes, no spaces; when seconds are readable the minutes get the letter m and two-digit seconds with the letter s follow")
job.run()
9h40
